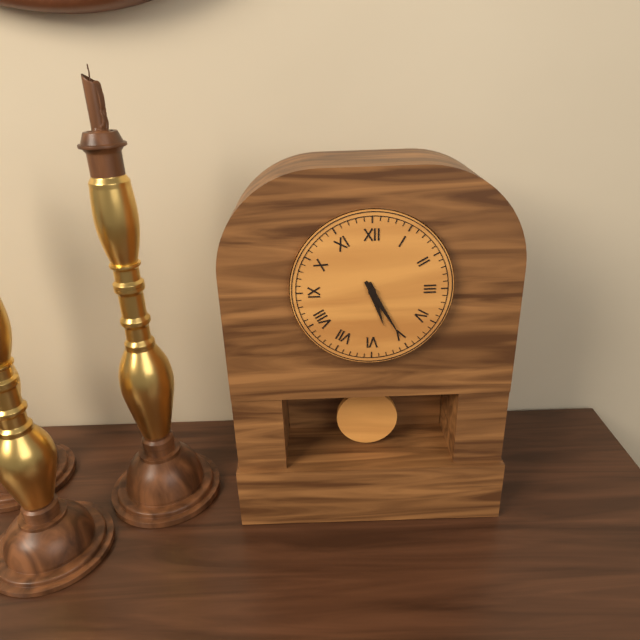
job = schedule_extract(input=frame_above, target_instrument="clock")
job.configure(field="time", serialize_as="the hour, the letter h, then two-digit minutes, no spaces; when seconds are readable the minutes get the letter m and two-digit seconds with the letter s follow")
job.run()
5h25
